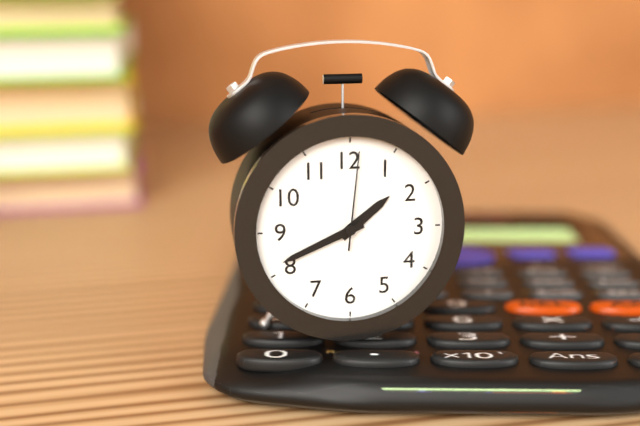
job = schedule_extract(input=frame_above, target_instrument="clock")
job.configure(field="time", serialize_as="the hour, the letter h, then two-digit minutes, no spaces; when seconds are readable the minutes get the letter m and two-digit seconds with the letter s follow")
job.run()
1h41m01s
